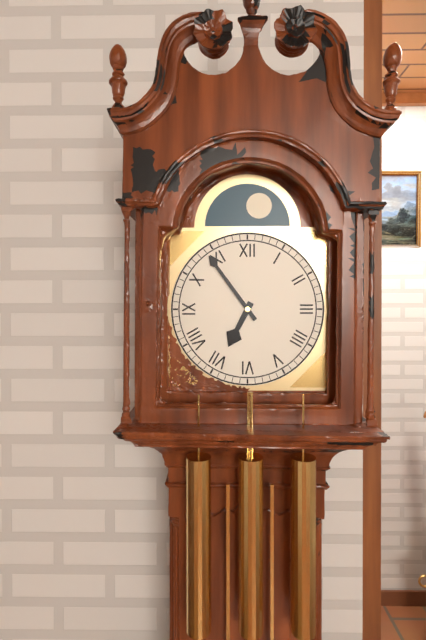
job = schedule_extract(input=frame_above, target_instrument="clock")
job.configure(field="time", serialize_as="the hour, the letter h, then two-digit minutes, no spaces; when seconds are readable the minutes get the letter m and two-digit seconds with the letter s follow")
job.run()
6h54
